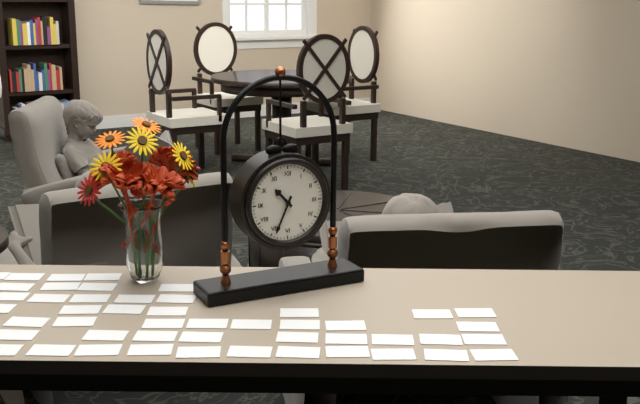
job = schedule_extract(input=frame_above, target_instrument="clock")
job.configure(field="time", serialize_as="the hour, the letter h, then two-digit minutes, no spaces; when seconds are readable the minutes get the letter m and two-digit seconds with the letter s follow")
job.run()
10h34
